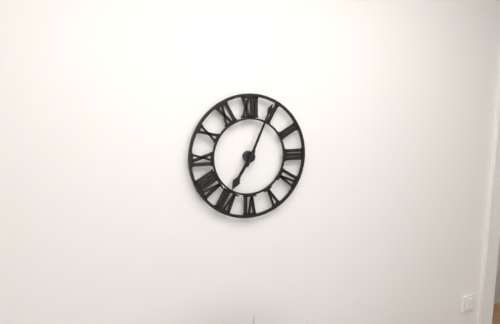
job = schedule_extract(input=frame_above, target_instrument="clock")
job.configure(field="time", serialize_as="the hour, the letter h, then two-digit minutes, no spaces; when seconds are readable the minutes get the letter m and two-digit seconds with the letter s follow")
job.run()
7h04
